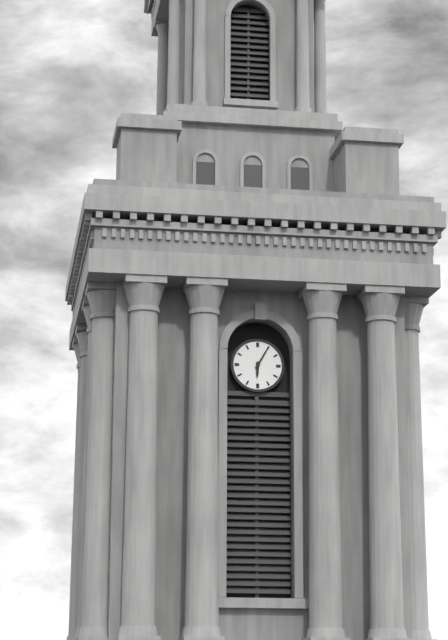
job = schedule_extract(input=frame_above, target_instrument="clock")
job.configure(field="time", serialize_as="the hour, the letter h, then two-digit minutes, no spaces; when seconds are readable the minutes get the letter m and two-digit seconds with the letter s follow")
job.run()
6h05
